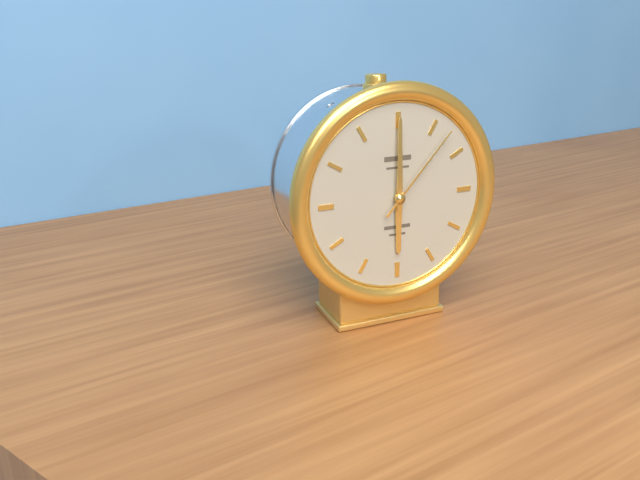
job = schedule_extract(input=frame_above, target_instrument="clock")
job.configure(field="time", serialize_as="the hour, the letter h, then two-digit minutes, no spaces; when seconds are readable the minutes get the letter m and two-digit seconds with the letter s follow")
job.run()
6h00m07s
